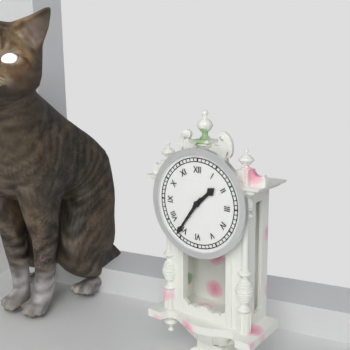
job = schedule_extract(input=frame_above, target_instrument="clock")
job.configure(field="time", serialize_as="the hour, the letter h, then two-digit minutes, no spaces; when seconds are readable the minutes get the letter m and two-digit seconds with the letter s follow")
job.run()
1h36
